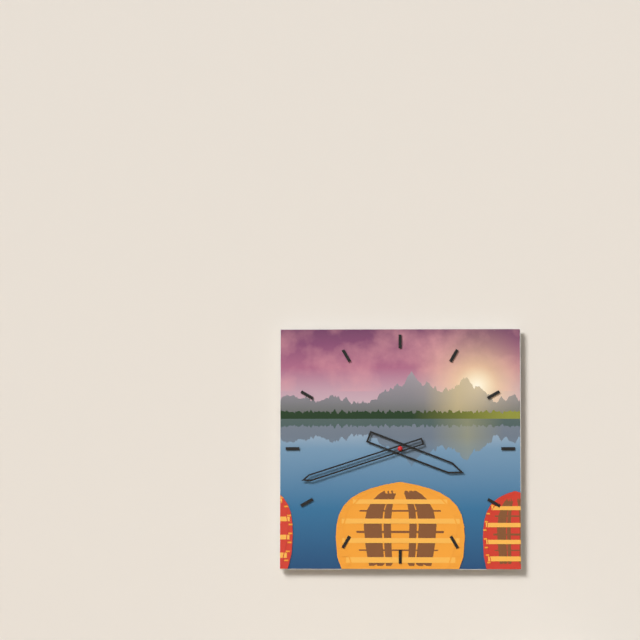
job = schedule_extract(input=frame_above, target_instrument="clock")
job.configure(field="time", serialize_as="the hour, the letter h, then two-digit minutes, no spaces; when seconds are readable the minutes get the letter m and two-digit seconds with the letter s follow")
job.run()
3h42
